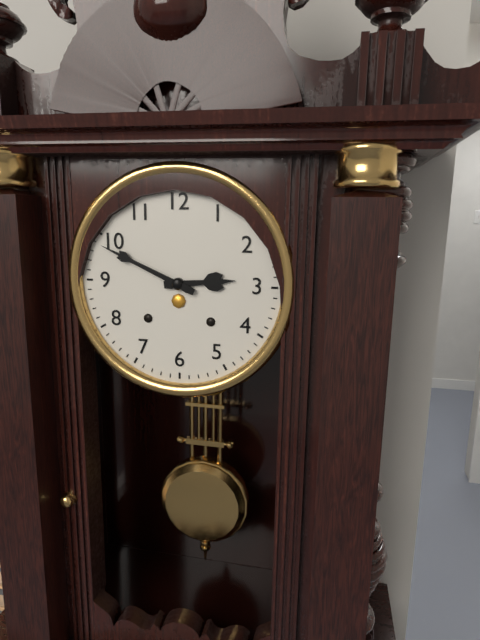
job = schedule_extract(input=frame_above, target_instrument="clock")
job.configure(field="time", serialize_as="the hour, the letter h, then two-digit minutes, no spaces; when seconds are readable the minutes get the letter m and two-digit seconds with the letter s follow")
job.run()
2h49
